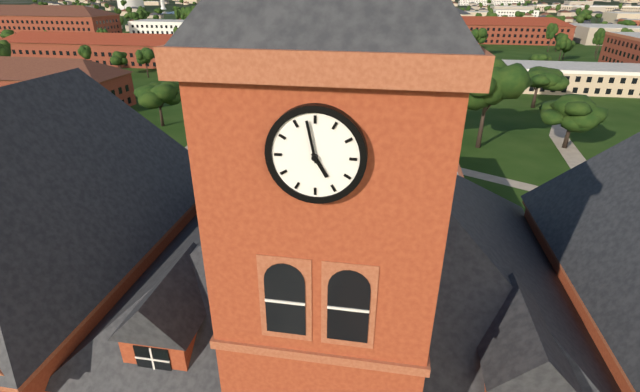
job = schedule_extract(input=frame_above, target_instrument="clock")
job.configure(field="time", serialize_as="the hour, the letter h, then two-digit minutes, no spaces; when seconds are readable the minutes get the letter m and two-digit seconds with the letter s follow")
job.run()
4h58
